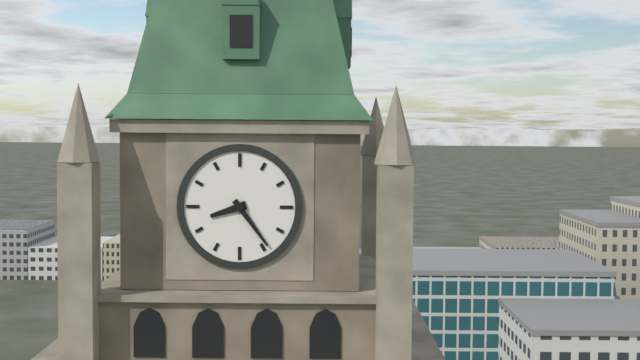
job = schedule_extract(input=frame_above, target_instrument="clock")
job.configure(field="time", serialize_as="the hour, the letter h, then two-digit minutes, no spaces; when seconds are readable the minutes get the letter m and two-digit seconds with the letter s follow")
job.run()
8h24
